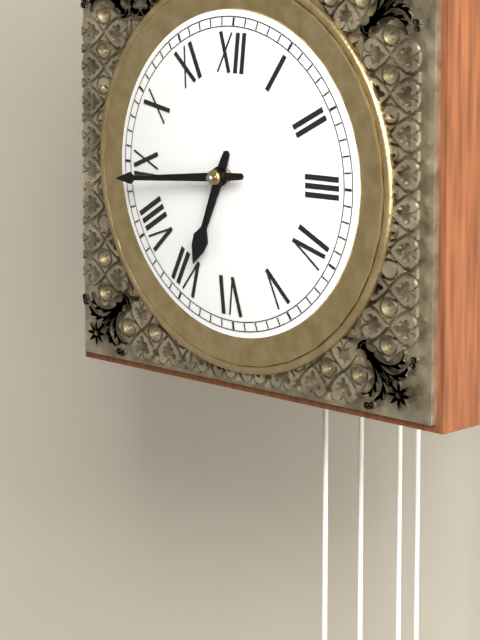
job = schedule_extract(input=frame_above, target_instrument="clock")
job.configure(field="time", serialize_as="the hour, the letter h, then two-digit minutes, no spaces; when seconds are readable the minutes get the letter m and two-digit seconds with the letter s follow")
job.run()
6h44
